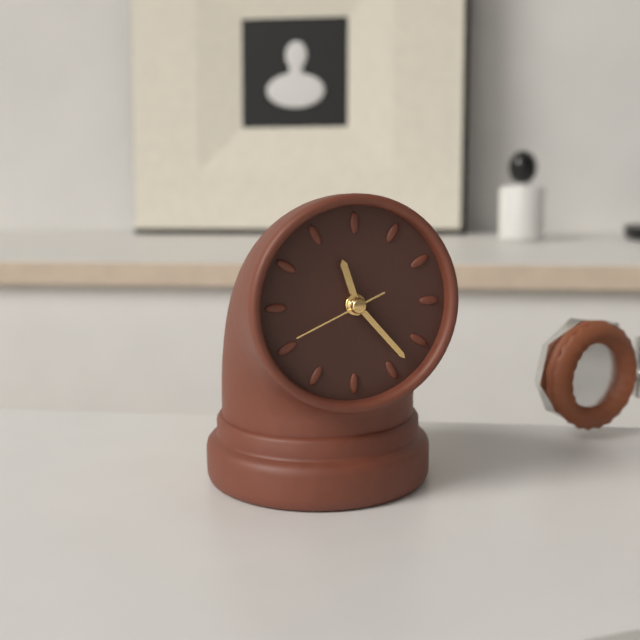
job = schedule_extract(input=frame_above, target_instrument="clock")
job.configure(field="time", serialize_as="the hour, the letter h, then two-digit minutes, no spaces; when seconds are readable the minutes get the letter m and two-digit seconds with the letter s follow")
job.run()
11h23m41s
